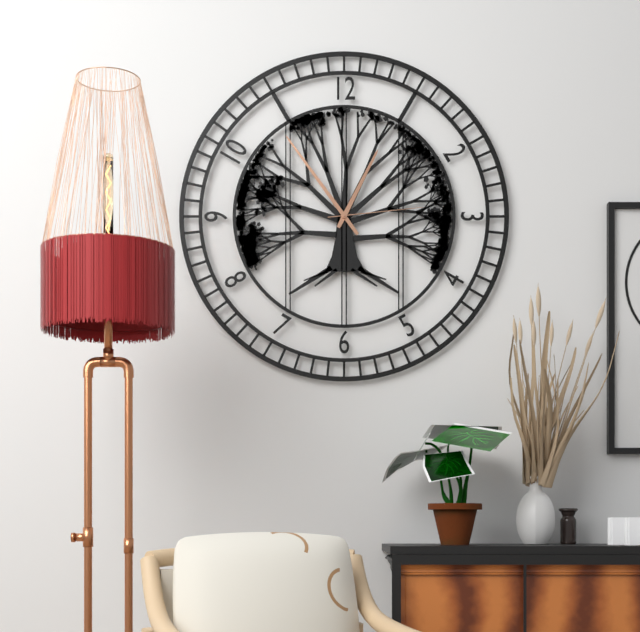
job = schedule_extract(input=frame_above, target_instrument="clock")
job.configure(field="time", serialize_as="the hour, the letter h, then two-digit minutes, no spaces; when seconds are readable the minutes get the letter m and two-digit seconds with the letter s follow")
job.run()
12h54m14s
